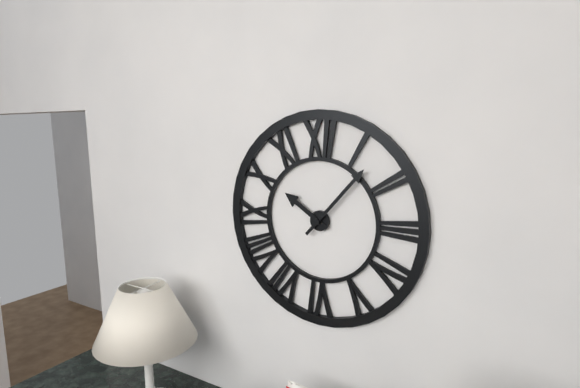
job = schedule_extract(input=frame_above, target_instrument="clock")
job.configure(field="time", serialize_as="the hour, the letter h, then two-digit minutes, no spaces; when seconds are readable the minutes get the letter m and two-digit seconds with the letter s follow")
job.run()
10h07
